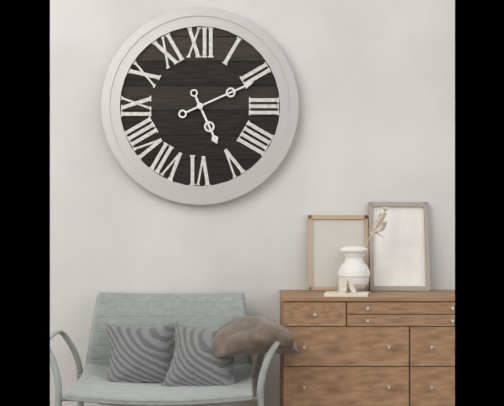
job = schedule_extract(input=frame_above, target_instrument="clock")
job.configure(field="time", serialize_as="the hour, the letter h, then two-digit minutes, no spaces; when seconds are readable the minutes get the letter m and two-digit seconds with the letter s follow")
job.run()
5h11
